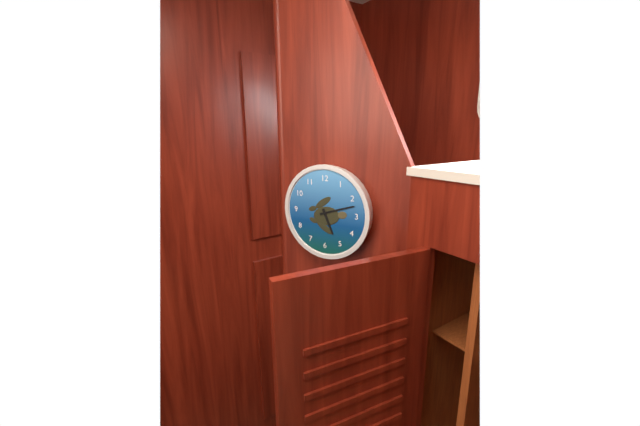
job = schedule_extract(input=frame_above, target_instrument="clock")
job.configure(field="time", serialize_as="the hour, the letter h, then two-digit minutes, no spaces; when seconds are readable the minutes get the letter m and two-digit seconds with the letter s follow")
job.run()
5h12
